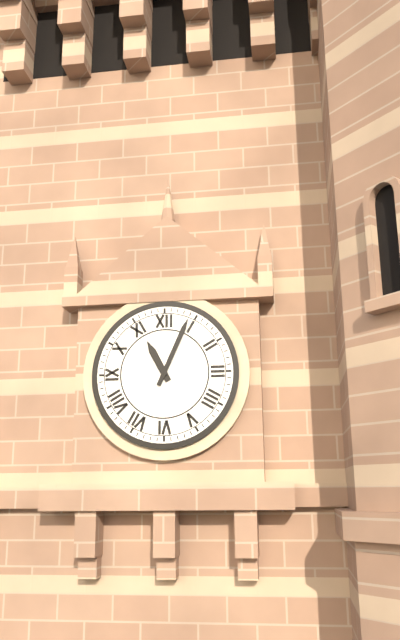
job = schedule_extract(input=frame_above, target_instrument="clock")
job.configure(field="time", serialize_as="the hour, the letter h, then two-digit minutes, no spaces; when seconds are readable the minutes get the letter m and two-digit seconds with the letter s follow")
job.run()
11h04
